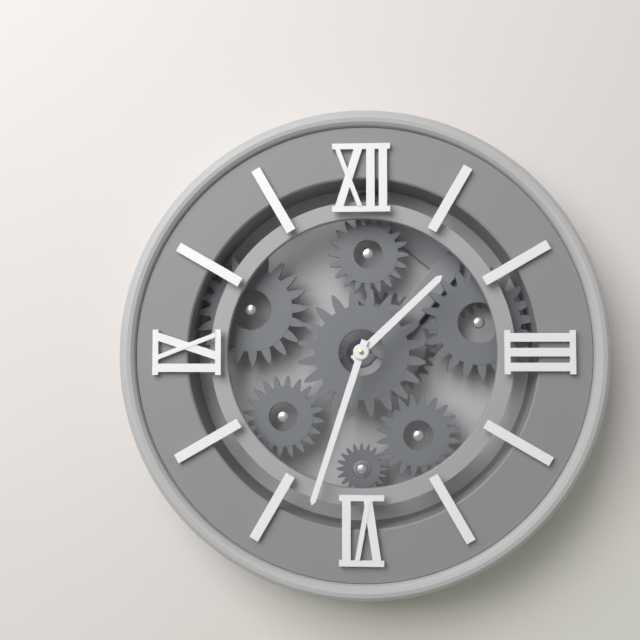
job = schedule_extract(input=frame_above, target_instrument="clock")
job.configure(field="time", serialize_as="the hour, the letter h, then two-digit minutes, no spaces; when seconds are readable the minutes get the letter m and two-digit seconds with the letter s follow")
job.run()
1h33
